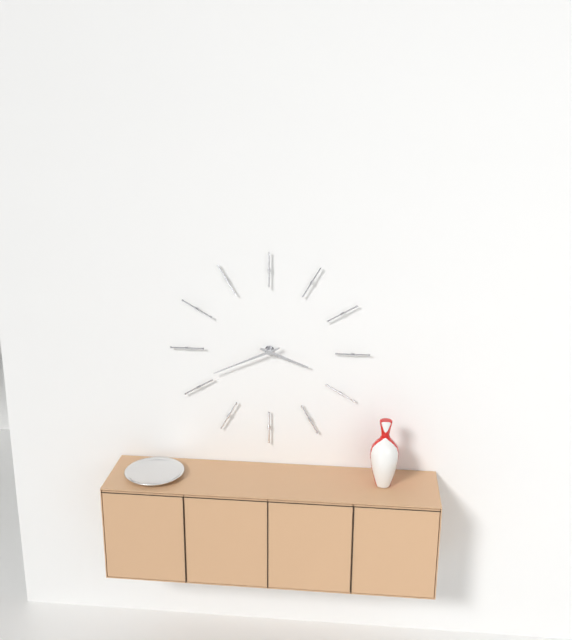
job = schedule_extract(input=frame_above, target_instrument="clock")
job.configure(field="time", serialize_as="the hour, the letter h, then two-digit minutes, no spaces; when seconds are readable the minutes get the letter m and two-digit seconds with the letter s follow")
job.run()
3h41
